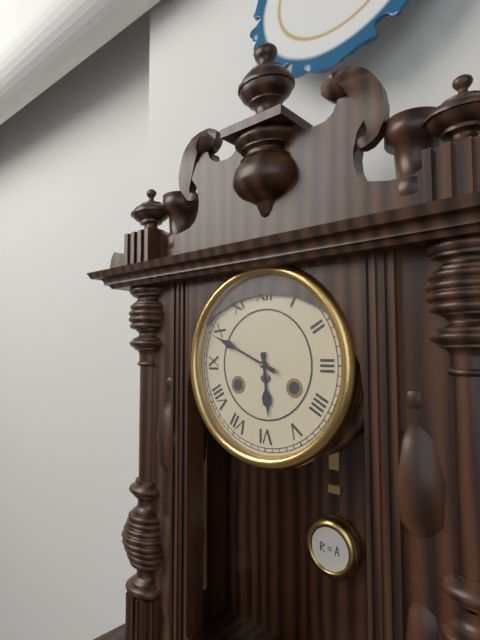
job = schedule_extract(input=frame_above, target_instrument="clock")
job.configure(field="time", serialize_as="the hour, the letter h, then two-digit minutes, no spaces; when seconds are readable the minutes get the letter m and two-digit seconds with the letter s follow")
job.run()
5h49
